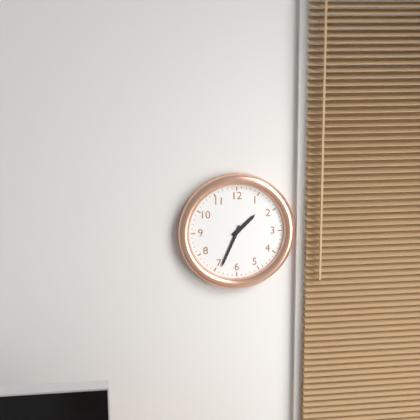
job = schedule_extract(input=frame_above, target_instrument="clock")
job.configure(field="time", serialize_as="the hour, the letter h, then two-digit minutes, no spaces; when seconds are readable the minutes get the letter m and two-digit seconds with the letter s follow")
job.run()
1h34
